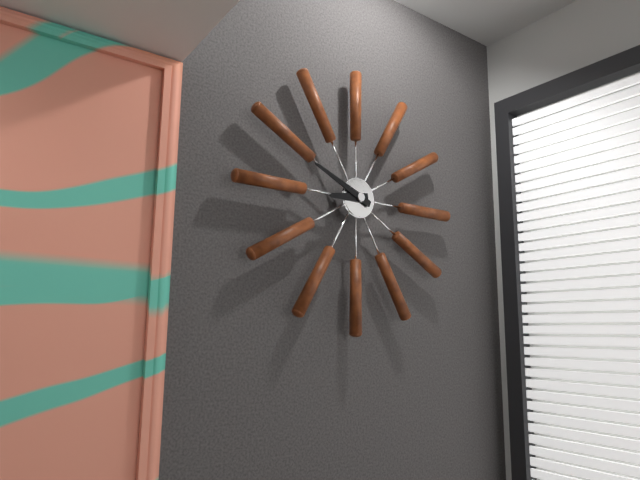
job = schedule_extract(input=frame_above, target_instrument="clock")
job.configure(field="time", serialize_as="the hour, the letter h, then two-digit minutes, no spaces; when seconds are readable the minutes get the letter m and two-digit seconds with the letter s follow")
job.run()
8h49
